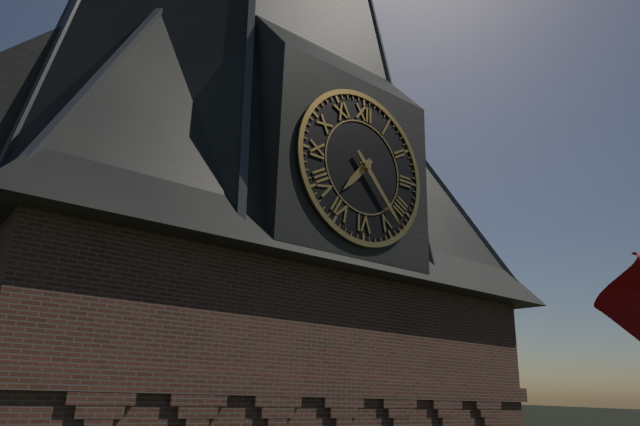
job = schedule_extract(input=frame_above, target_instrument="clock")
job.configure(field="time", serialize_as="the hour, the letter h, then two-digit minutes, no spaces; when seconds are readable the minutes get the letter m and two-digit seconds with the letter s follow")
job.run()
7h23
